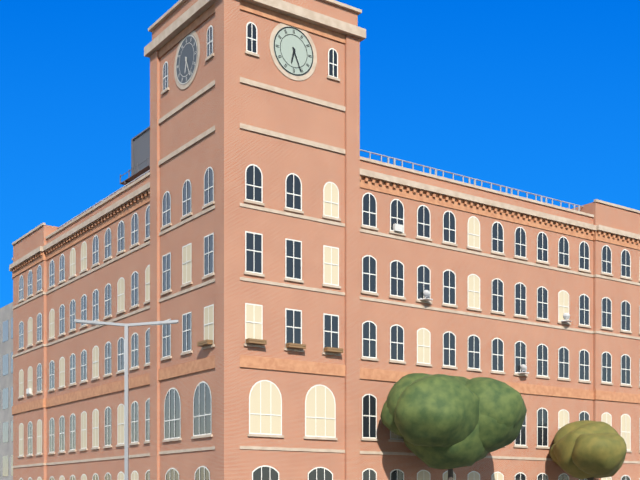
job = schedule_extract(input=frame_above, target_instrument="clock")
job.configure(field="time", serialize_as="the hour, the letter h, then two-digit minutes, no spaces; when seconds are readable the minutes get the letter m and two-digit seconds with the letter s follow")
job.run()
6h26
